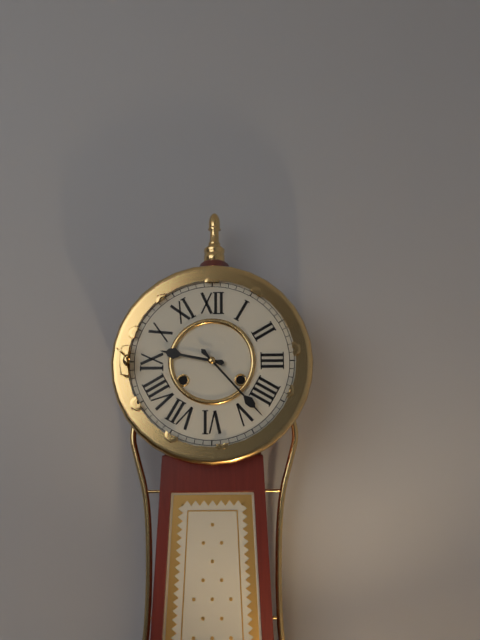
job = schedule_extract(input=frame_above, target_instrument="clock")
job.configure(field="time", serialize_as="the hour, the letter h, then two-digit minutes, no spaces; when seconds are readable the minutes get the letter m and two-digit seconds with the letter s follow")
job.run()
9h23
